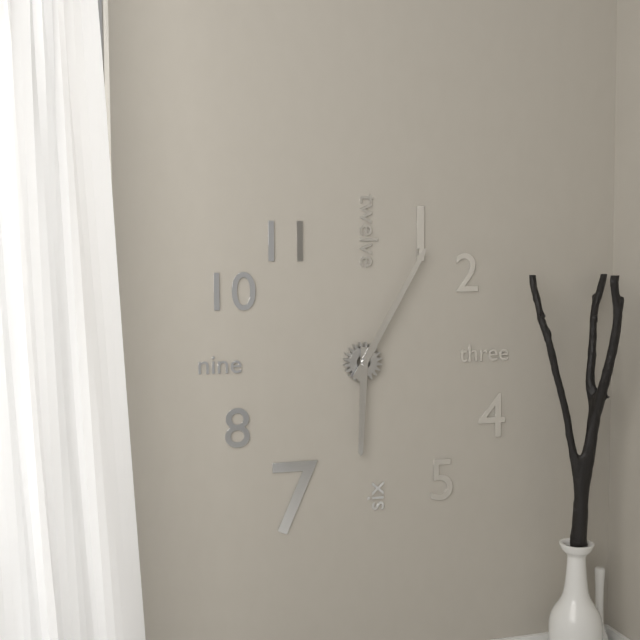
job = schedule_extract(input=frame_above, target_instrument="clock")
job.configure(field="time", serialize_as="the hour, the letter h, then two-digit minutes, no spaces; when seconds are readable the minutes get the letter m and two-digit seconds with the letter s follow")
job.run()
6h05
